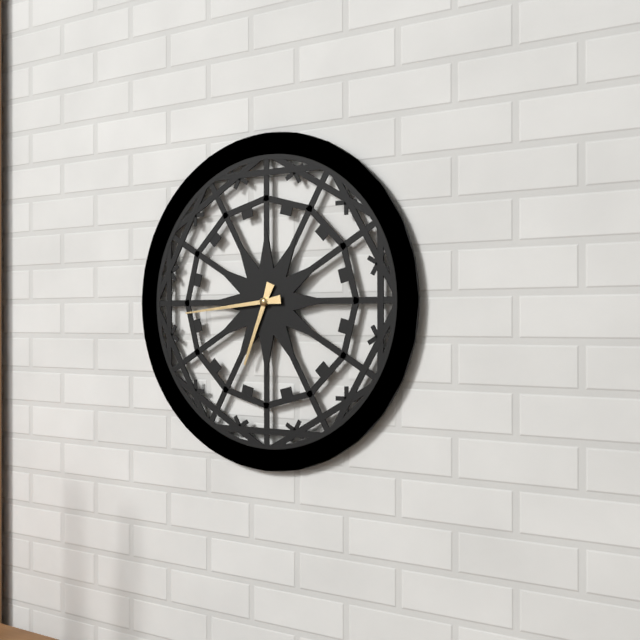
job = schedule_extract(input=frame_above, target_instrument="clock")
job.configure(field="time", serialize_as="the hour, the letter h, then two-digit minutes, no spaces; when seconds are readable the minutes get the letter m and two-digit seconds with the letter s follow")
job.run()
6h44
